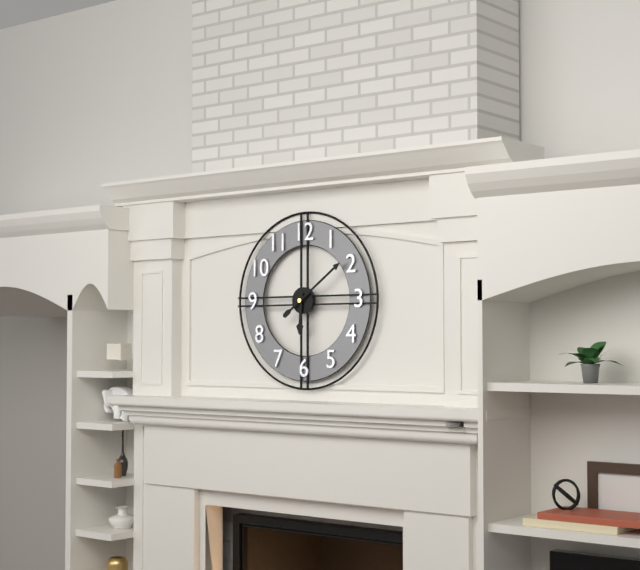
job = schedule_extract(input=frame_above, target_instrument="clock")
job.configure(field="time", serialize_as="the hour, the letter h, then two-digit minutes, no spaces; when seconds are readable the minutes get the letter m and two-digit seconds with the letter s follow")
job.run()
6h09
